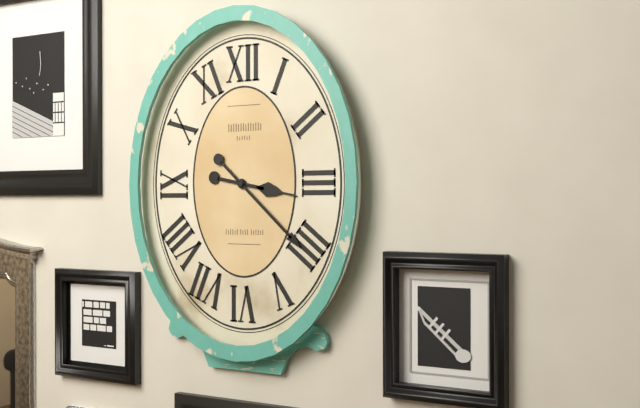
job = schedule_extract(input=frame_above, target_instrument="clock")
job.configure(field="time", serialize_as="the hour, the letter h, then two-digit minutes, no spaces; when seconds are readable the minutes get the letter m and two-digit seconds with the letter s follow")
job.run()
3h22
